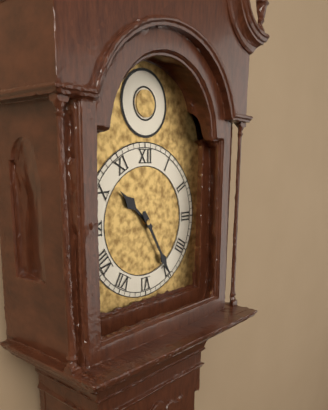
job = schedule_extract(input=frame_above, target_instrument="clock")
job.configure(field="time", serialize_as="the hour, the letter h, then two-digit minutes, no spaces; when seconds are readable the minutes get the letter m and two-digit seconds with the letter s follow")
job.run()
10h25
